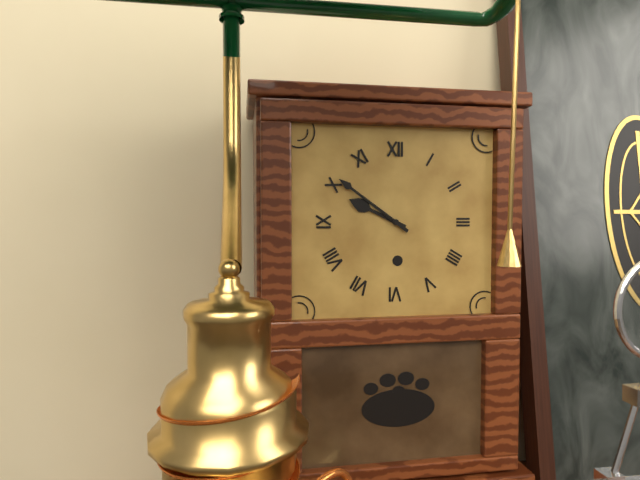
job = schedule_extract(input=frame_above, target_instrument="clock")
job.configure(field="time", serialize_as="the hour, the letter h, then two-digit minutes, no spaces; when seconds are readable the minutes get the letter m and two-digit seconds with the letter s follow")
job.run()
9h51
